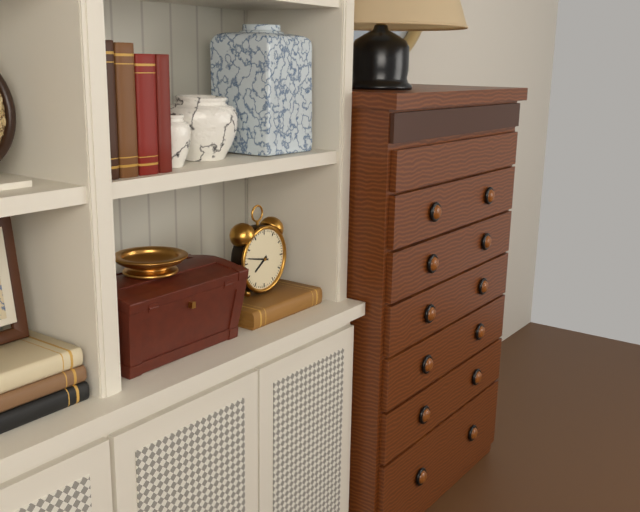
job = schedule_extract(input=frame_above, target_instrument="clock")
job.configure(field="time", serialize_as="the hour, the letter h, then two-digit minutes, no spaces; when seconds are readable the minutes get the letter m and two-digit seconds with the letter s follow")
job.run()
7h47
